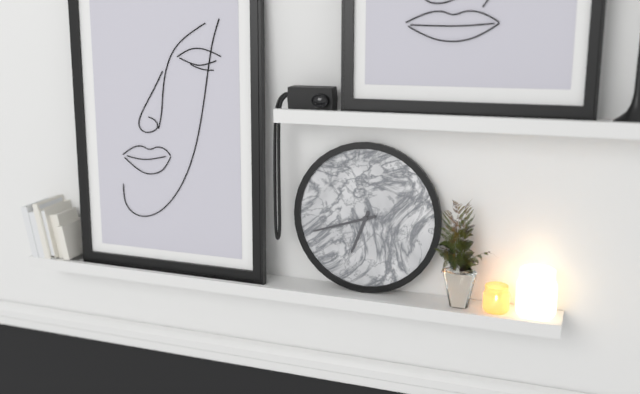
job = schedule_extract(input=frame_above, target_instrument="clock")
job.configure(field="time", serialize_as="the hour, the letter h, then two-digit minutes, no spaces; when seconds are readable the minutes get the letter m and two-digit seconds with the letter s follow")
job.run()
6h42
